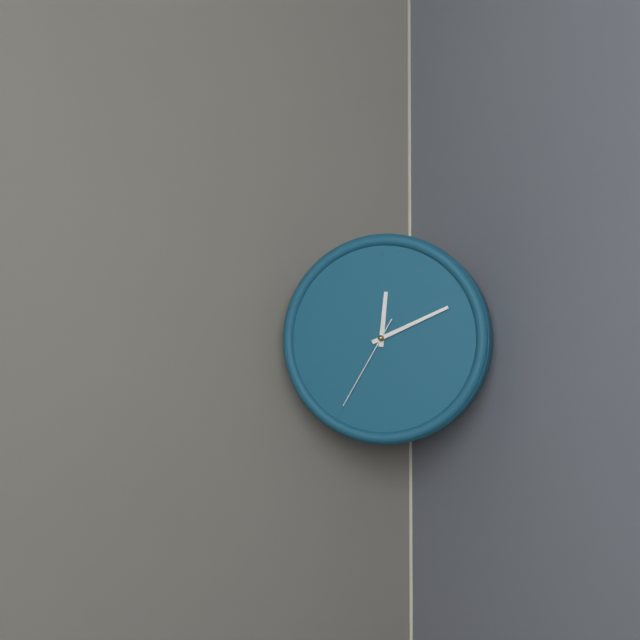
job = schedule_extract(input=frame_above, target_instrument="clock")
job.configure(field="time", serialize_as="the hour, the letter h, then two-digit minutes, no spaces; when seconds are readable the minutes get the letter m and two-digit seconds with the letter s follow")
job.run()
12h11m35s
